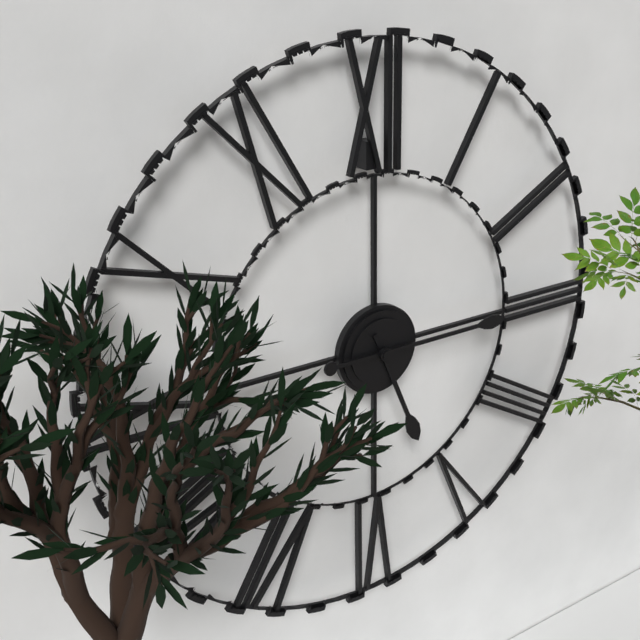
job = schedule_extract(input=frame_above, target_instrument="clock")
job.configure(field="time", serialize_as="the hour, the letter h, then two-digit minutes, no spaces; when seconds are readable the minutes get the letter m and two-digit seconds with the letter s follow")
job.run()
5h15
